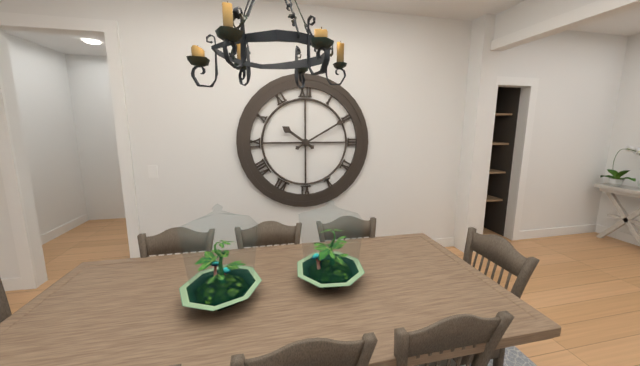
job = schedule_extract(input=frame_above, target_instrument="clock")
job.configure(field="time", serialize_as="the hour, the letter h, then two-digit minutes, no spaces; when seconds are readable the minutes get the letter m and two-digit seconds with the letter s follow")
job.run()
10h10
